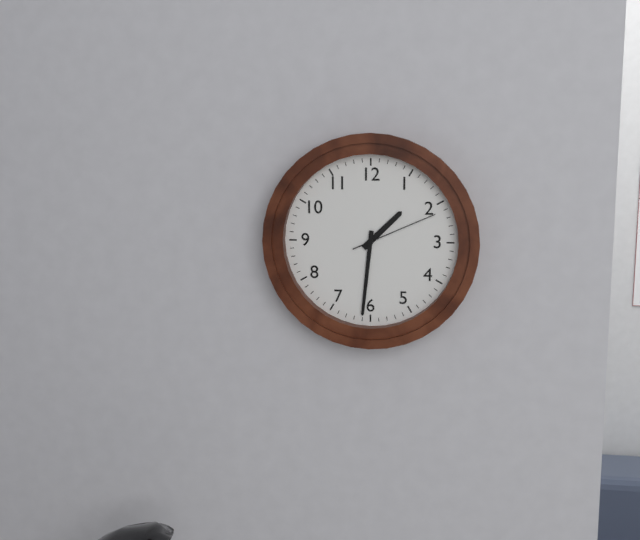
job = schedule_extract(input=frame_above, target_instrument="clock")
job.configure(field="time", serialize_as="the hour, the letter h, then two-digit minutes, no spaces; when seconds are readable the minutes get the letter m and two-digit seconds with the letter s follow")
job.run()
1h31m11s
